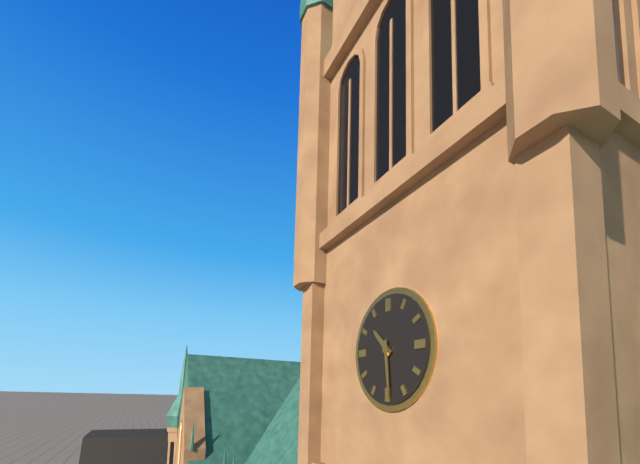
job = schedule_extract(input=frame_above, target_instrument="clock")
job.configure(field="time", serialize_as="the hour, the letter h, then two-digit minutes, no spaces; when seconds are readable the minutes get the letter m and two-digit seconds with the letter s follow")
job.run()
10h29
